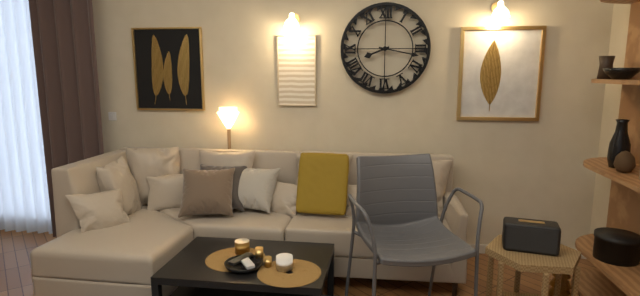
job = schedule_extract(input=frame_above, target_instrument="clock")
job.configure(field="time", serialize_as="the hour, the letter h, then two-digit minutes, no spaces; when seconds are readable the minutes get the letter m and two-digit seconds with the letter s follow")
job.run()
8h17
